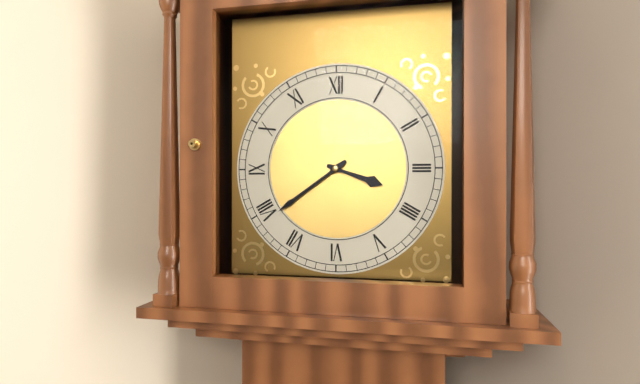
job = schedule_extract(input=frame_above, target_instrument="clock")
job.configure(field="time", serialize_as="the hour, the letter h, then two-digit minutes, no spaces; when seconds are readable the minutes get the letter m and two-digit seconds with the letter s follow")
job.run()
3h39
